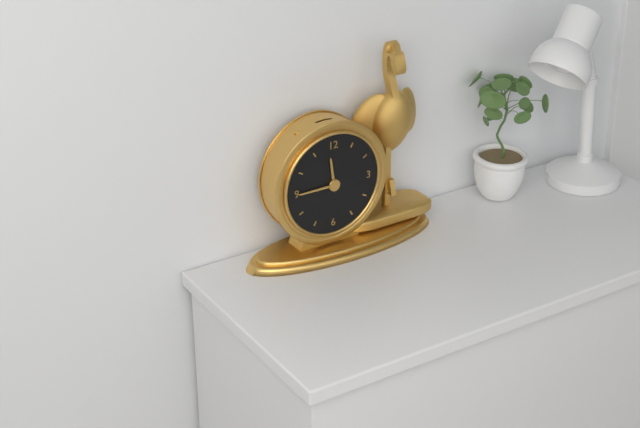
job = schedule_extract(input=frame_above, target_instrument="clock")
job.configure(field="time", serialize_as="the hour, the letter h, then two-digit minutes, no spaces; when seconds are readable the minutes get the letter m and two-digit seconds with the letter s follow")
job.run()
11h45
